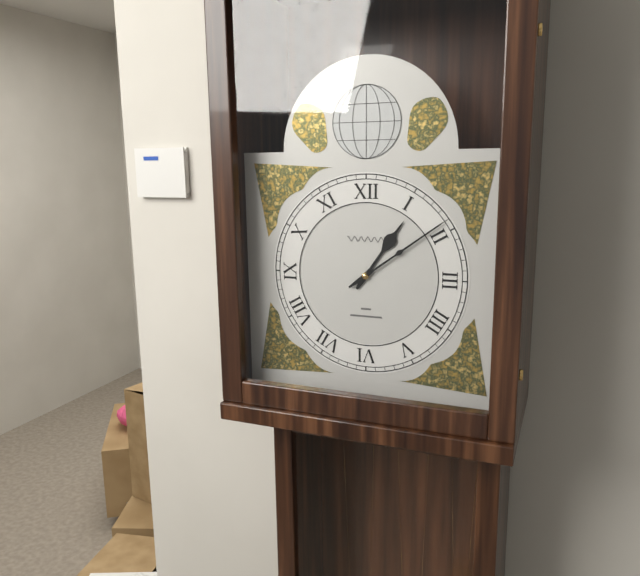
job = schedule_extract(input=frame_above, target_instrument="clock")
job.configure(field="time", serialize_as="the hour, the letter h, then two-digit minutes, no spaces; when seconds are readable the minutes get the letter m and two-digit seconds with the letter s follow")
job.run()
1h09
